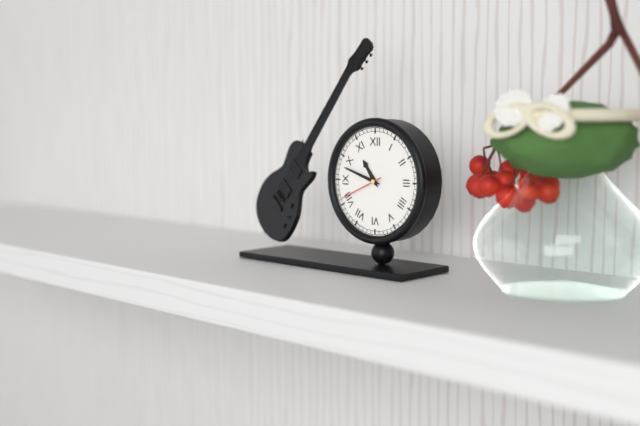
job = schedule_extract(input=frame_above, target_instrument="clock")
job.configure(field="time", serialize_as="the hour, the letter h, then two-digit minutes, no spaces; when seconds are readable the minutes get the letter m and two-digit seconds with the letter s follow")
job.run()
10h48
